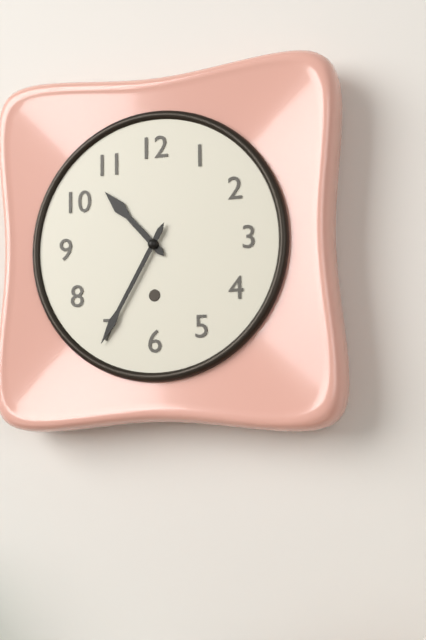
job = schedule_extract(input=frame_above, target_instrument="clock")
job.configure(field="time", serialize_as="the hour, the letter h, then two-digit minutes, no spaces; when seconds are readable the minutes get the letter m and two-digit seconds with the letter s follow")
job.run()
10h35
